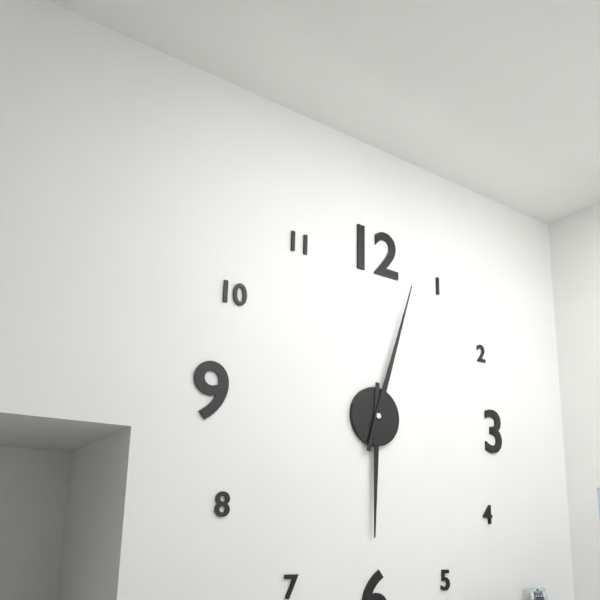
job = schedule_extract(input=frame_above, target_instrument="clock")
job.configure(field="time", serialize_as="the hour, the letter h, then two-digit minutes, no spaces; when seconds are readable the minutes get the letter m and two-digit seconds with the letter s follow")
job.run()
6h03
